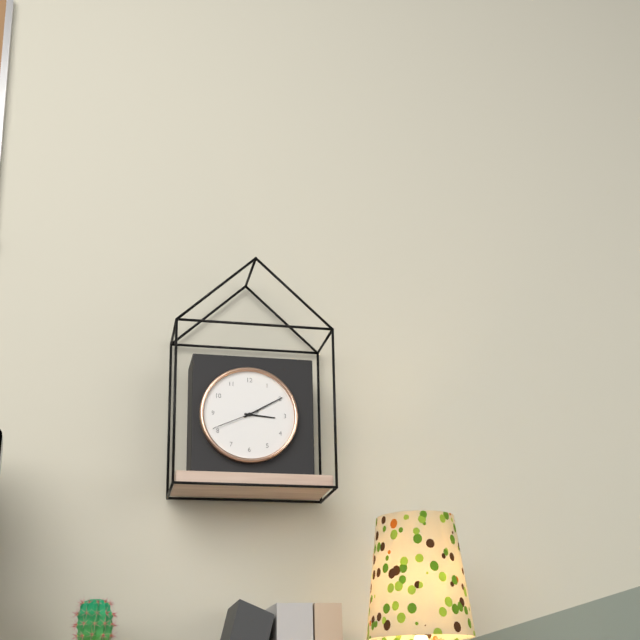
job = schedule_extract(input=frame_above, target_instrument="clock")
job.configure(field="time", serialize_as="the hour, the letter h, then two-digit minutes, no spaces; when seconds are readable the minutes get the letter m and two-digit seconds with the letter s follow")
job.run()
3h10
